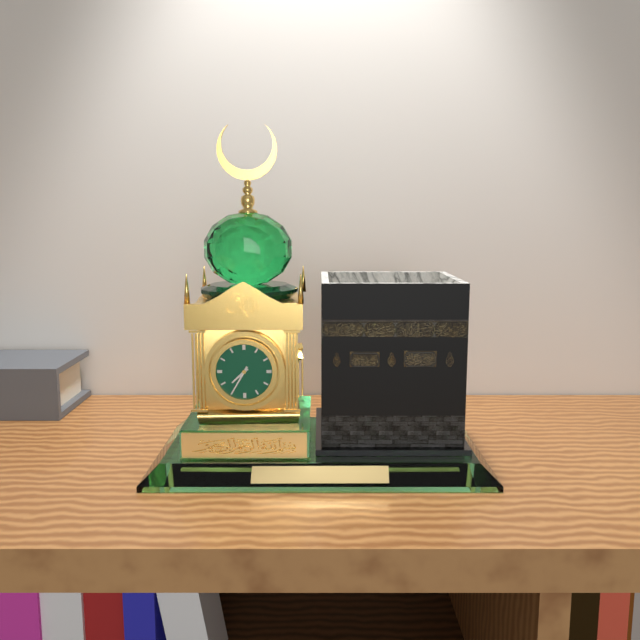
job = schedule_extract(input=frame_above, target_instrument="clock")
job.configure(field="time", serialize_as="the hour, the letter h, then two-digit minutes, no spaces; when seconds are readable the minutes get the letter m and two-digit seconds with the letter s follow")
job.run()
7h35
